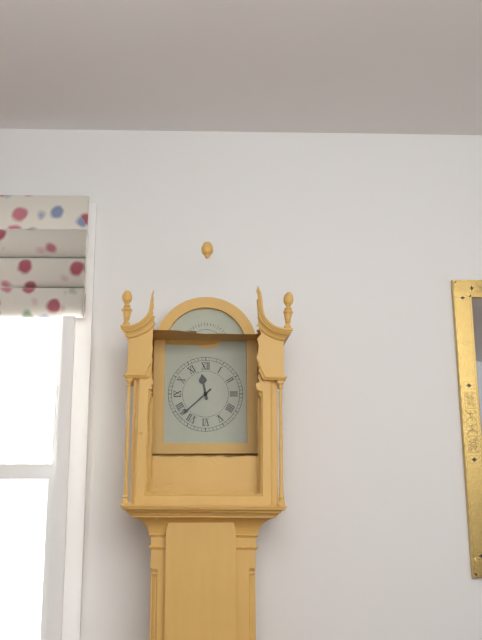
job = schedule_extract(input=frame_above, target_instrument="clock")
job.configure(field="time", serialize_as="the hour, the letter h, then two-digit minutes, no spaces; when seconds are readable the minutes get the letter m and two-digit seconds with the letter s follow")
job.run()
11h38
